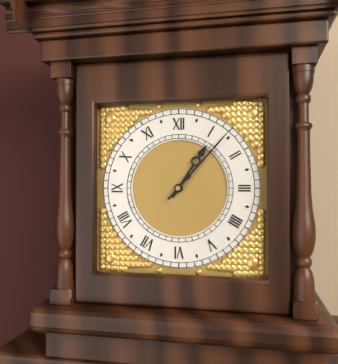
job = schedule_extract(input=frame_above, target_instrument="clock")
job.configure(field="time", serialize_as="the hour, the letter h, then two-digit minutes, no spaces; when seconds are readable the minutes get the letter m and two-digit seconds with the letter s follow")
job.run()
1h07
